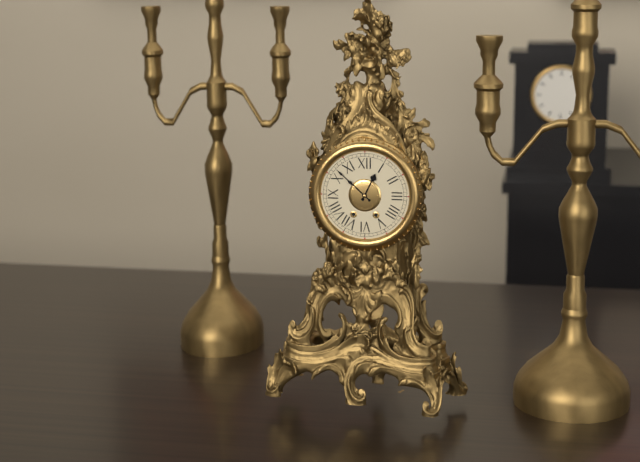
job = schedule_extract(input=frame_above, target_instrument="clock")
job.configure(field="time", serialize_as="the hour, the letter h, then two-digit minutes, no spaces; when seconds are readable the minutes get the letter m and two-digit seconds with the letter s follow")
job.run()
12h52
